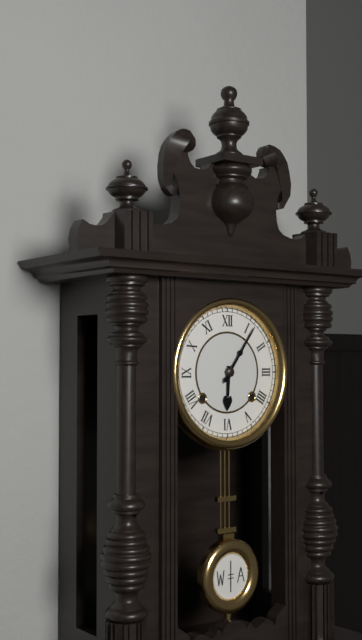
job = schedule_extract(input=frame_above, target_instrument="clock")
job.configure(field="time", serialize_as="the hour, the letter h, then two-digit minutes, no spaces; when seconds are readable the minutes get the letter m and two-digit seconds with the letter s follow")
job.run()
6h06
